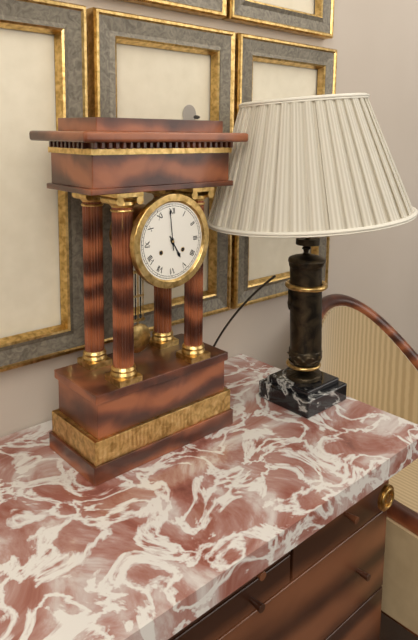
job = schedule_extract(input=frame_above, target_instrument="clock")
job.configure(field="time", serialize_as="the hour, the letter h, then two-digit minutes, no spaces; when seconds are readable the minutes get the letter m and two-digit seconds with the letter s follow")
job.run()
4h59
